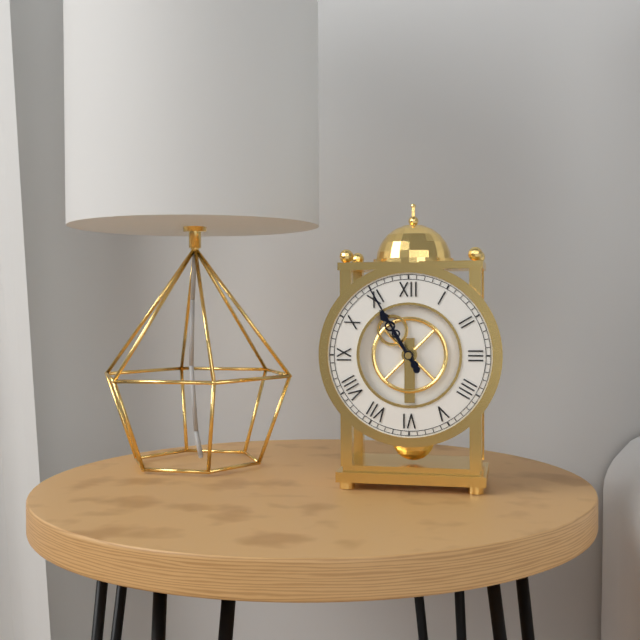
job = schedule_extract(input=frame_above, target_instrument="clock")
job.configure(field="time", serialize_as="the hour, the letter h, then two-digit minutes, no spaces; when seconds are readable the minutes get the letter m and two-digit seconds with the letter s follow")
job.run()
10h55
